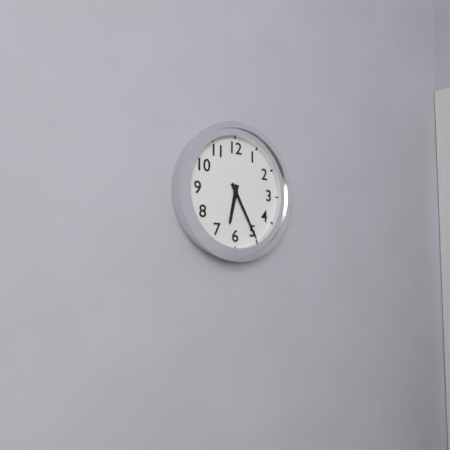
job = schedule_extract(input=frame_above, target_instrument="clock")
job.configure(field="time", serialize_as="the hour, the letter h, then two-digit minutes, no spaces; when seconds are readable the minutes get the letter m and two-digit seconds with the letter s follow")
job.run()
6h25
